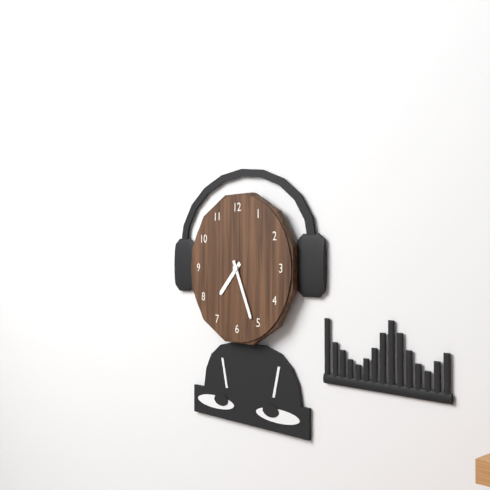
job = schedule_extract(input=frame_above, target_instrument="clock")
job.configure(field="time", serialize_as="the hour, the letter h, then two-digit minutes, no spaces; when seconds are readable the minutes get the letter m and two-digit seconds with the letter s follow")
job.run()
7h26
